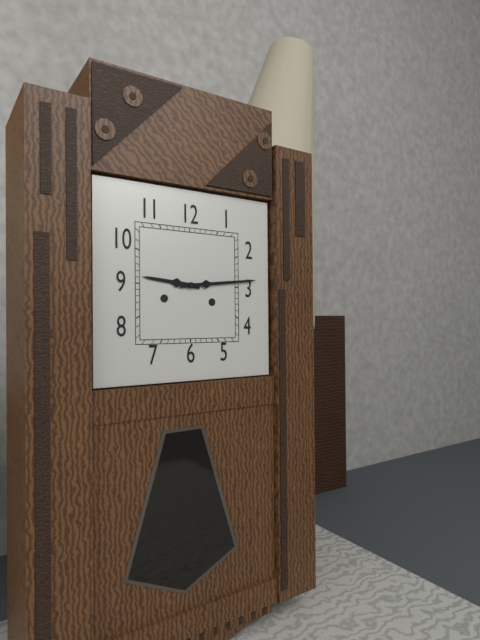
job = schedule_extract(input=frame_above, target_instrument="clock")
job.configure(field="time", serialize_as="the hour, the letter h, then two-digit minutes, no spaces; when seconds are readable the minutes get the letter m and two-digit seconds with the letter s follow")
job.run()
9h14
